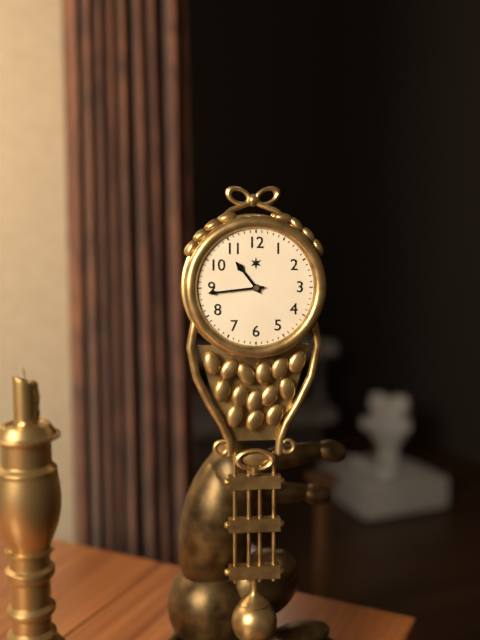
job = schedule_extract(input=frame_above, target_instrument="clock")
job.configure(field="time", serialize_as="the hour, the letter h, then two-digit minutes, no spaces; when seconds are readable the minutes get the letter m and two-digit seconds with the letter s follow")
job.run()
10h44
